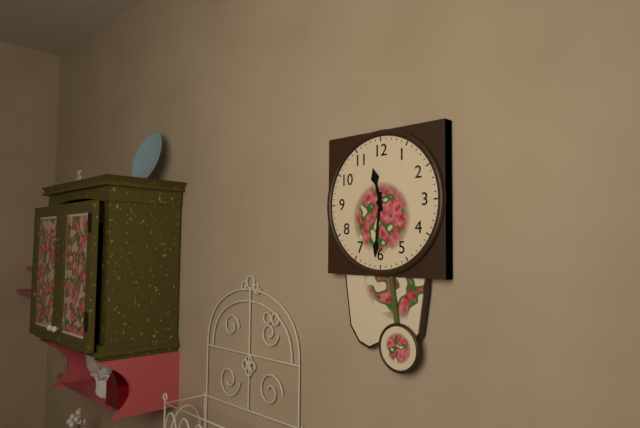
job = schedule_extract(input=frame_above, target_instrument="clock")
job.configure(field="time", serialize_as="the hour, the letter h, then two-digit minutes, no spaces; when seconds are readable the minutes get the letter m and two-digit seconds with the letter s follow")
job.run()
11h31
